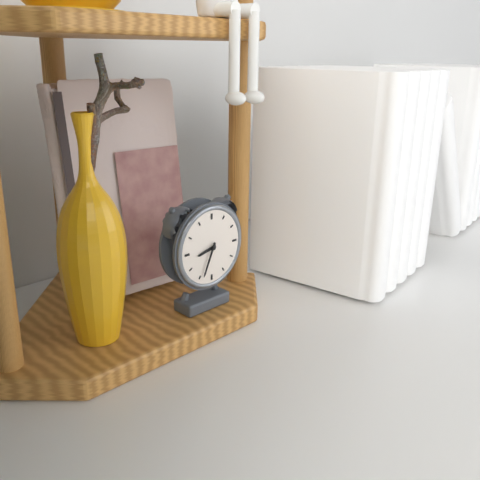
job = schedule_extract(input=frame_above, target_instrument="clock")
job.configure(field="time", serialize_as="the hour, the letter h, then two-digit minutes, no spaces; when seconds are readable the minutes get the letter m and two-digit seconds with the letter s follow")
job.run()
8h34
